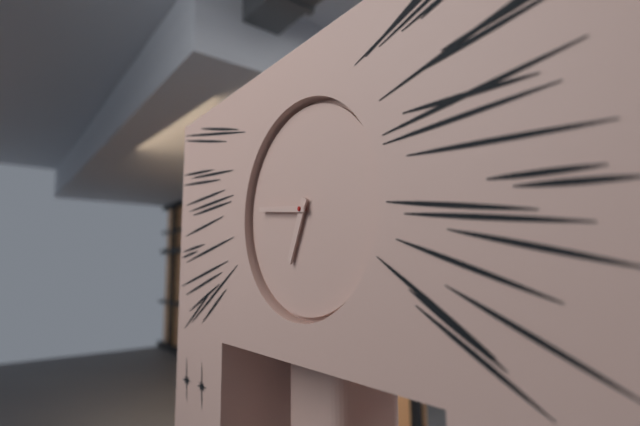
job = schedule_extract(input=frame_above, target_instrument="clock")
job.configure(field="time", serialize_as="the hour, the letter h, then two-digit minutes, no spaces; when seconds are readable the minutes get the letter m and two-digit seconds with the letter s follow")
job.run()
6h46
